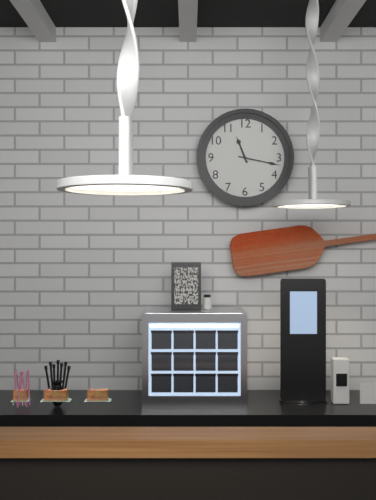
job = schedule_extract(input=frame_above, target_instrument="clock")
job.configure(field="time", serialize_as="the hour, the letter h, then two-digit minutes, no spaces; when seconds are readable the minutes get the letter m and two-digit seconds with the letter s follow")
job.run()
11h17
